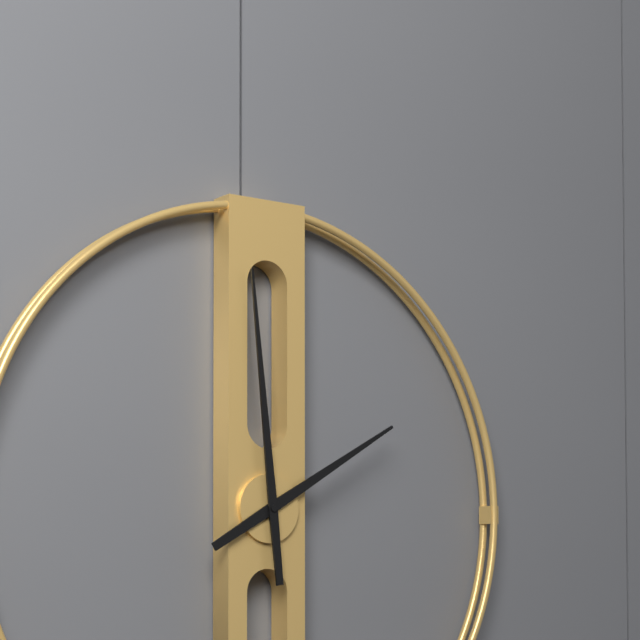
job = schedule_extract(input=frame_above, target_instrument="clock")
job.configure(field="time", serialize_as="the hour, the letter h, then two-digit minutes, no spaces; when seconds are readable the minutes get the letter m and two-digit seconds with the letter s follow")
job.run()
1h59
